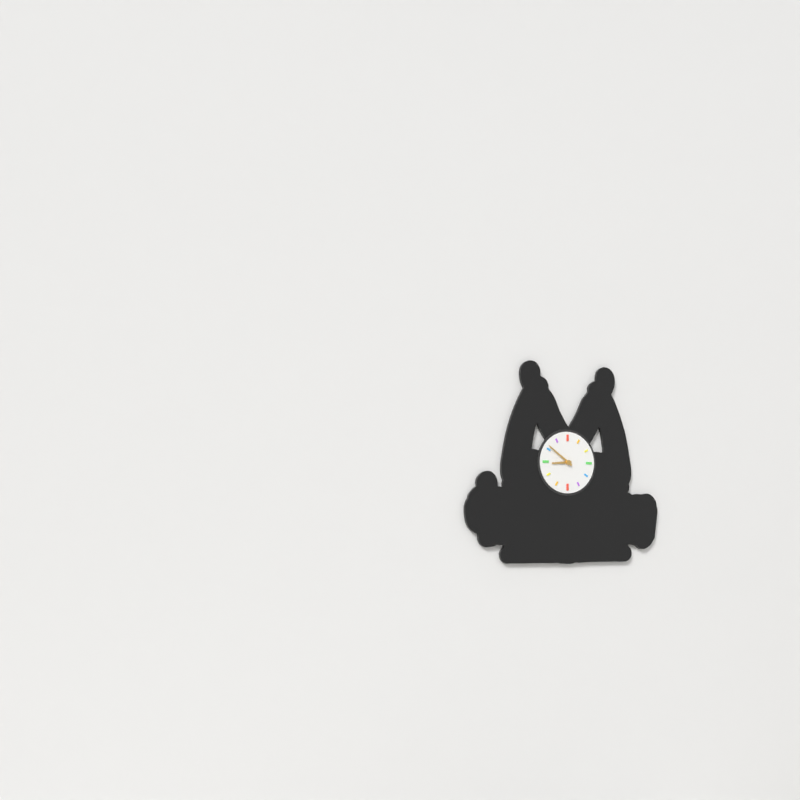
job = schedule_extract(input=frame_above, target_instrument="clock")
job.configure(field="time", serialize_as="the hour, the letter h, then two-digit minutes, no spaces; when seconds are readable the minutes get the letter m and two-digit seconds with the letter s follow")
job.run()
8h51
